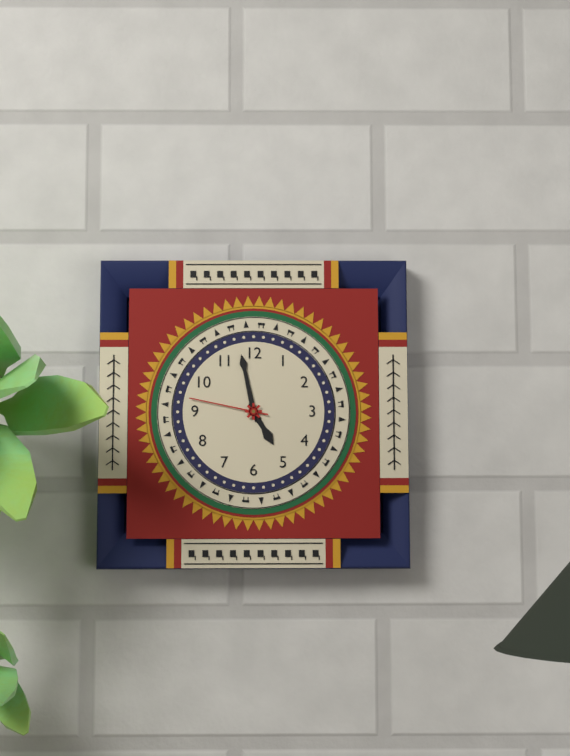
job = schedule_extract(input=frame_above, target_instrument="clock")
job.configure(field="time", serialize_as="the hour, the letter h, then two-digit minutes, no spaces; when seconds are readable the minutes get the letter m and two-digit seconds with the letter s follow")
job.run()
4h58m47s
